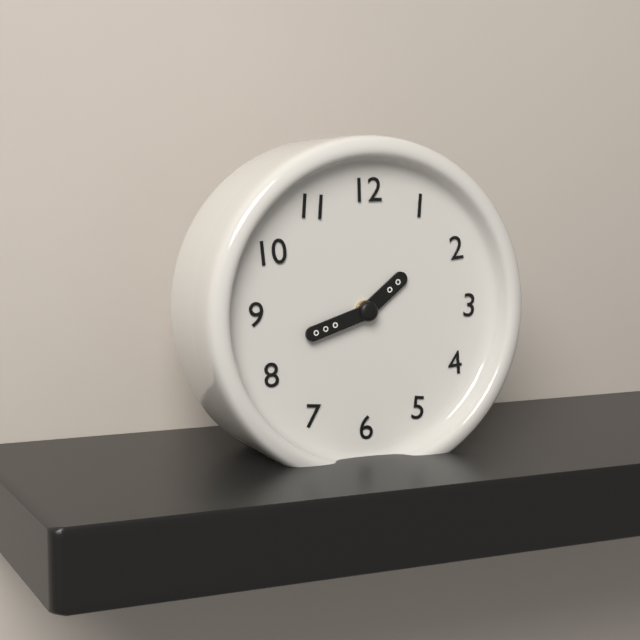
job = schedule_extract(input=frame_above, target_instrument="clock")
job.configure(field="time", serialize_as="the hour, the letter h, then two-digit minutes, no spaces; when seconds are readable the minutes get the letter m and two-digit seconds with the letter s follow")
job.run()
1h42
